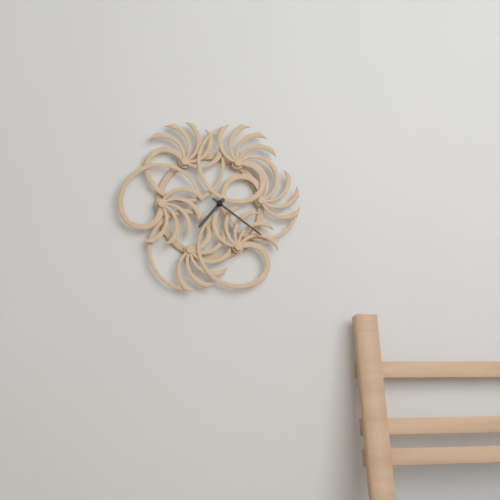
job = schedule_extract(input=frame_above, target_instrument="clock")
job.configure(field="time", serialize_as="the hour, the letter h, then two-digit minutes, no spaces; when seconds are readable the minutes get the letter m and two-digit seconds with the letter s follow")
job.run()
7h21
